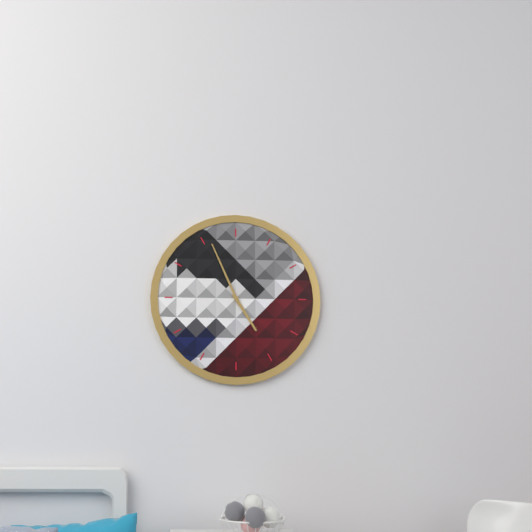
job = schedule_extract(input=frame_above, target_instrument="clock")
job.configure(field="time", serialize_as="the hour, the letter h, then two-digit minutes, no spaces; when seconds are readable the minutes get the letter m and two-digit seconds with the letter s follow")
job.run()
4h56
